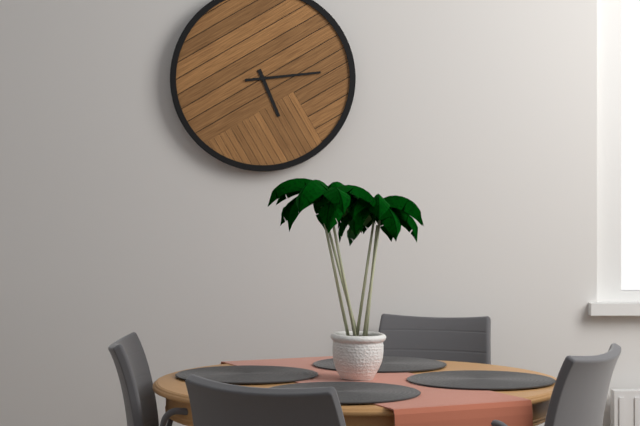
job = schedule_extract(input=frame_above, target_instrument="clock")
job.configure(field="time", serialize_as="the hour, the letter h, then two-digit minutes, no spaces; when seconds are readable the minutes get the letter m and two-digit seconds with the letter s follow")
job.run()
5h14
